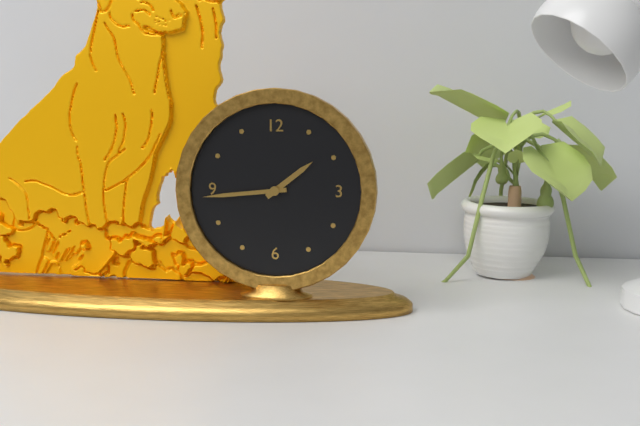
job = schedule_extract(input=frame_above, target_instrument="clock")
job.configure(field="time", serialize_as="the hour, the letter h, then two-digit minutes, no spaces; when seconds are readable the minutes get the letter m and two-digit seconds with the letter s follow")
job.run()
1h44
